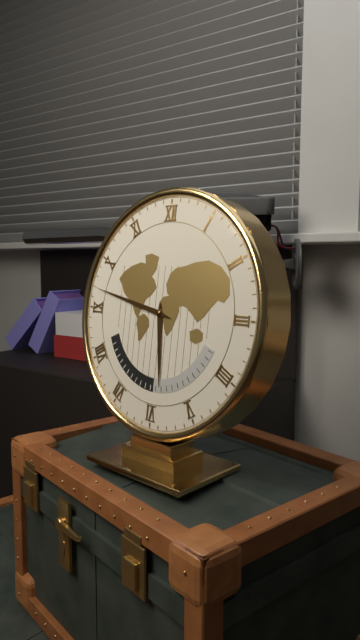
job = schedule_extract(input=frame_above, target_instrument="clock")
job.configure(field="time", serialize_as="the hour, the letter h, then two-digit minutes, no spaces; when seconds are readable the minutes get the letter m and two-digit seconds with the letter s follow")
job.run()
5h47
